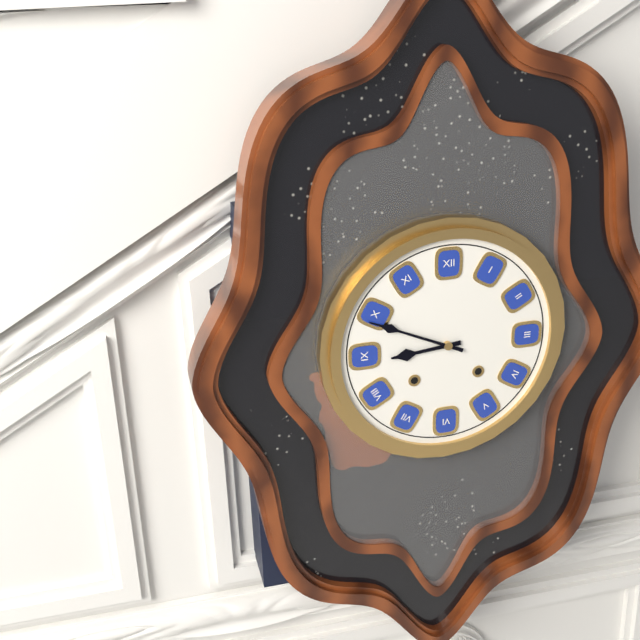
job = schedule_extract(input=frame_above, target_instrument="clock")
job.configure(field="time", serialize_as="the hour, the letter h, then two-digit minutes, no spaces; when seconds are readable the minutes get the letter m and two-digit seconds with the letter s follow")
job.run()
8h49
